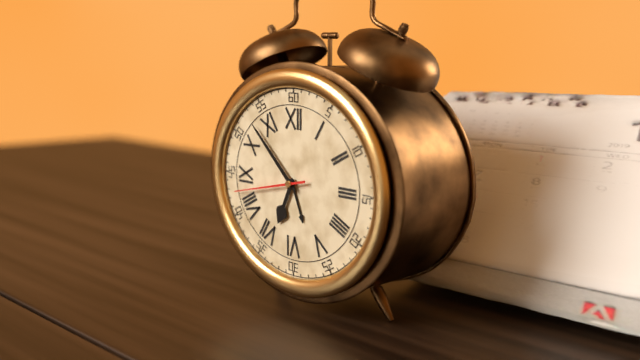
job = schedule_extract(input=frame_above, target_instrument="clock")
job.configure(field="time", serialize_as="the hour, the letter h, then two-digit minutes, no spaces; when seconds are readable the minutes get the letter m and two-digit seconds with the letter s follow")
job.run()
6h52m43s
